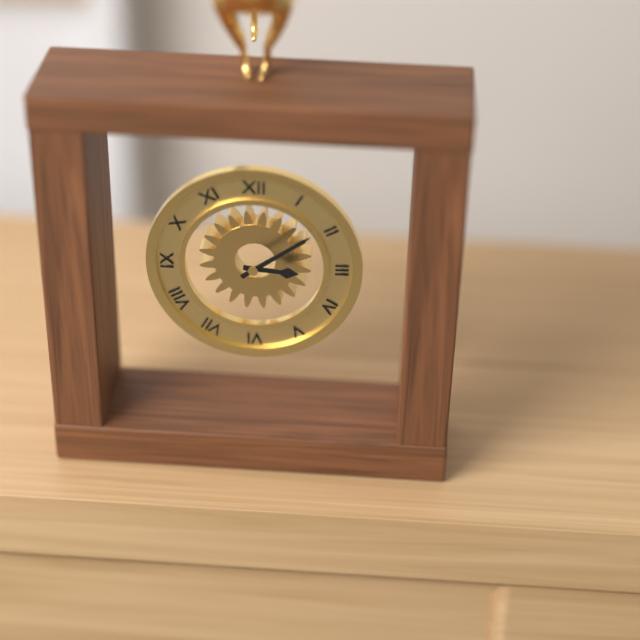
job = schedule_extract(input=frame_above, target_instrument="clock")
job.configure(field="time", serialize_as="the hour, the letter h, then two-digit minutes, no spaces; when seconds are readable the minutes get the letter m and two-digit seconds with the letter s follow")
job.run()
3h09
